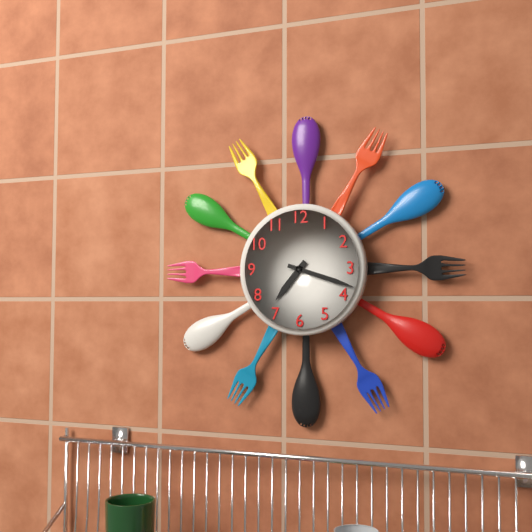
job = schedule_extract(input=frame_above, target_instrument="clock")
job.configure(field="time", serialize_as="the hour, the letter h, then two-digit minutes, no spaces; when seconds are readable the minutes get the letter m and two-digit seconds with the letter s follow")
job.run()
7h18
